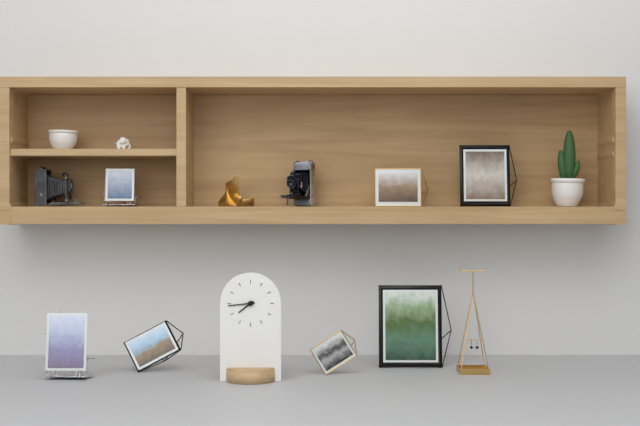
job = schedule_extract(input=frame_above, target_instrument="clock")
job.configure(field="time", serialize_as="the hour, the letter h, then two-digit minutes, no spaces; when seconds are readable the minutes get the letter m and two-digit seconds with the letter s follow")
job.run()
7h44
